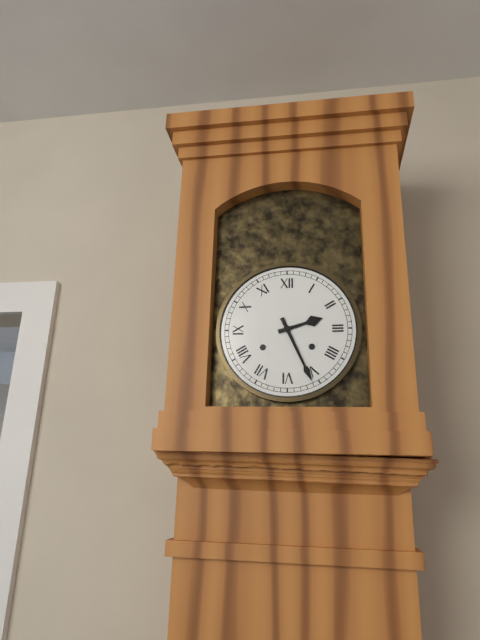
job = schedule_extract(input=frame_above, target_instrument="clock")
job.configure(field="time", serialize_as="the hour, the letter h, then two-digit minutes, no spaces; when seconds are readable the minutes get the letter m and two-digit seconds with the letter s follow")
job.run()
2h26
